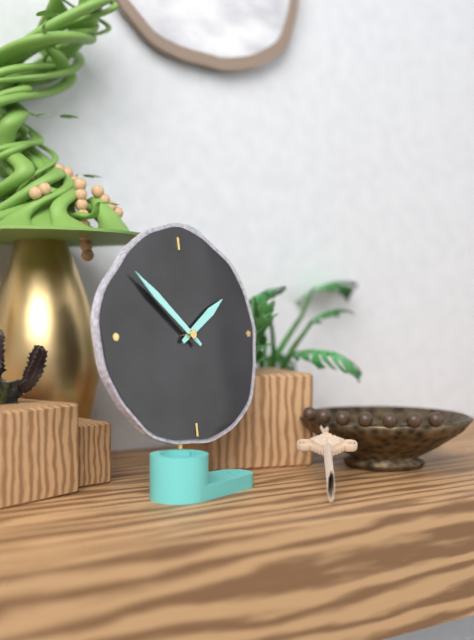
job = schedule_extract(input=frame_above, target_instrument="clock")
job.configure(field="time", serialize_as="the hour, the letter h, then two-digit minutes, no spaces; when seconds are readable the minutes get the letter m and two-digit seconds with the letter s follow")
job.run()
1h52
